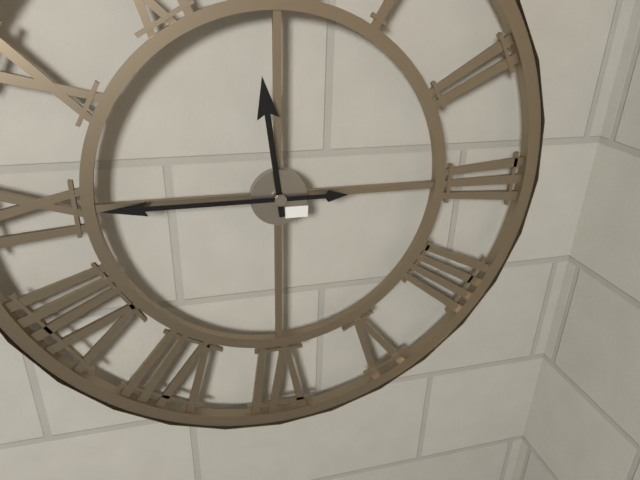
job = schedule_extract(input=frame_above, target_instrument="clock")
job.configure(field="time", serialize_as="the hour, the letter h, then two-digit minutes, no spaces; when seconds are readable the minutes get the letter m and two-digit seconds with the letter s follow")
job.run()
11h45
